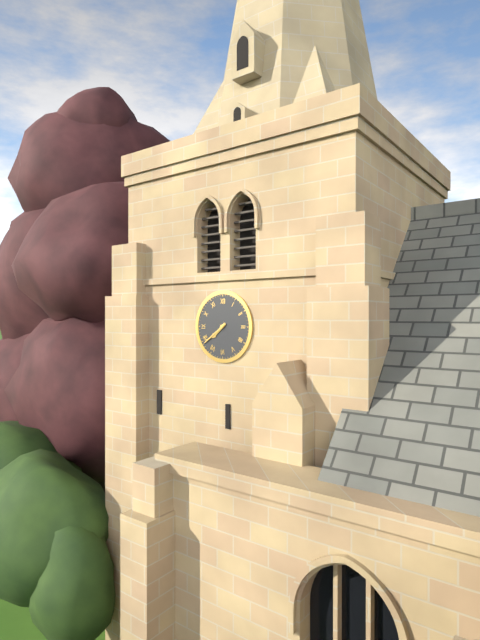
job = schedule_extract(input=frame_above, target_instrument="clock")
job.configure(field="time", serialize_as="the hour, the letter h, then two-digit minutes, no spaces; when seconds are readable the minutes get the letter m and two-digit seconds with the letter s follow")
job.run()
7h39
